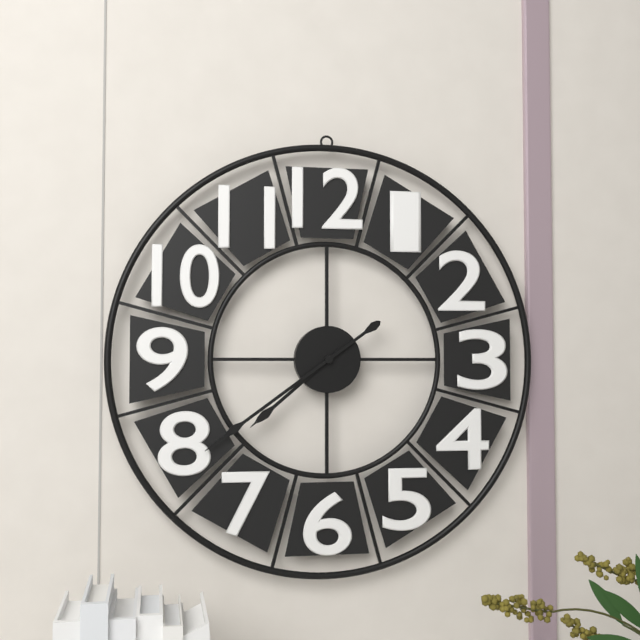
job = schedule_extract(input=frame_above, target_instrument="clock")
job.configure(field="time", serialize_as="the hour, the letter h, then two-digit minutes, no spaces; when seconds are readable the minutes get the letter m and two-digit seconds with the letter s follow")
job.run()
7h39
